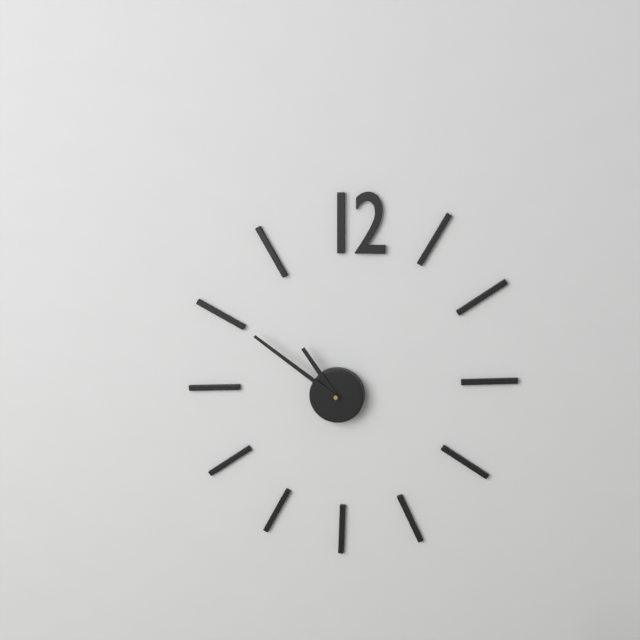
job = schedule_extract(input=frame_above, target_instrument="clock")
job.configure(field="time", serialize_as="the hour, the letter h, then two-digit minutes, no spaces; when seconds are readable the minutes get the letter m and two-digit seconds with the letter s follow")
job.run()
10h51
